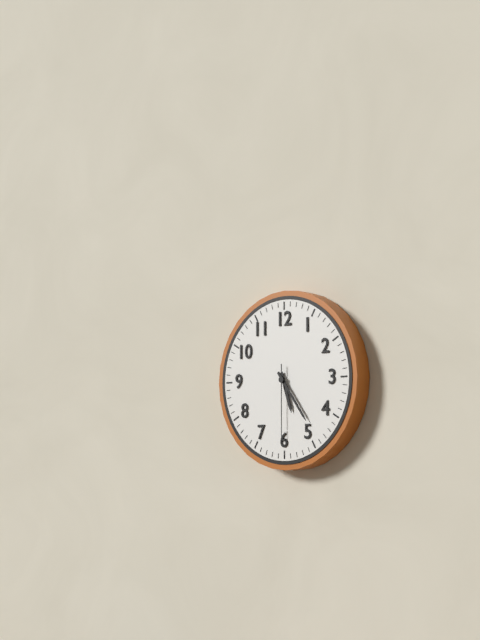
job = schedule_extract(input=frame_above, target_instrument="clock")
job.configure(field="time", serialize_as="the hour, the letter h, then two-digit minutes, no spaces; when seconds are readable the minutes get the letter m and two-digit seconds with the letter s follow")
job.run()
5h24m30s
